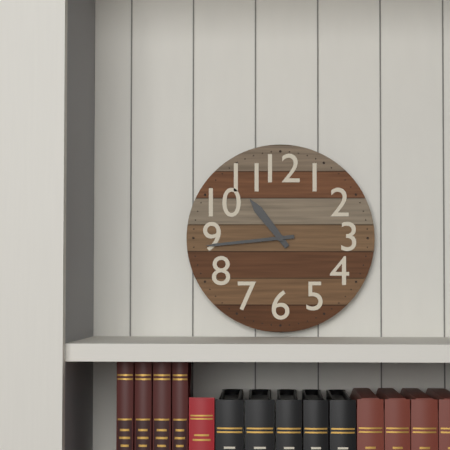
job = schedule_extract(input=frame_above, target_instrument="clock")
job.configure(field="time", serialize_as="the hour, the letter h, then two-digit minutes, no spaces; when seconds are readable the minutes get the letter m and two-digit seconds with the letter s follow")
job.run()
10h44
